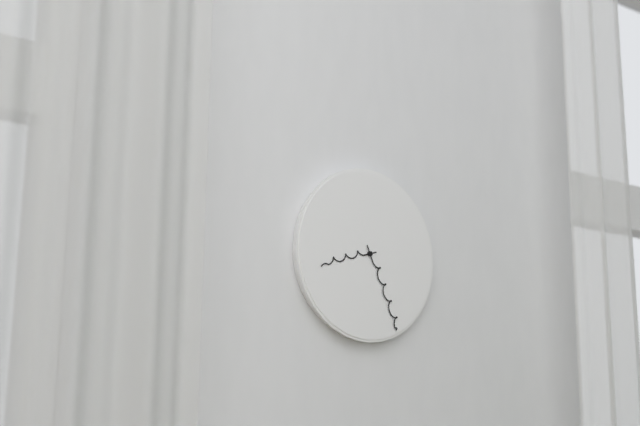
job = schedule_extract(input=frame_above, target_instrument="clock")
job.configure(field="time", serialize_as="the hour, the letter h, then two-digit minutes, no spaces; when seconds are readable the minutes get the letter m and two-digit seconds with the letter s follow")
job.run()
8h26
